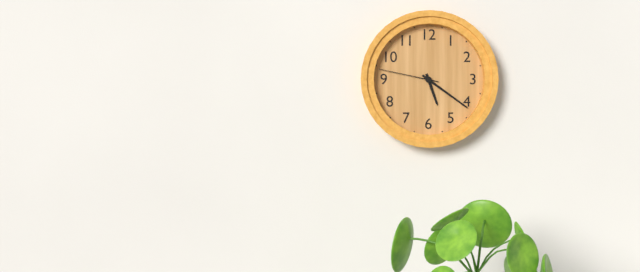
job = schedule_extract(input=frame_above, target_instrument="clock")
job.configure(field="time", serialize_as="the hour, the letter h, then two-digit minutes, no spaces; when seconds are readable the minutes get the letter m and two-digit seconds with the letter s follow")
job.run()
5h21m47s
